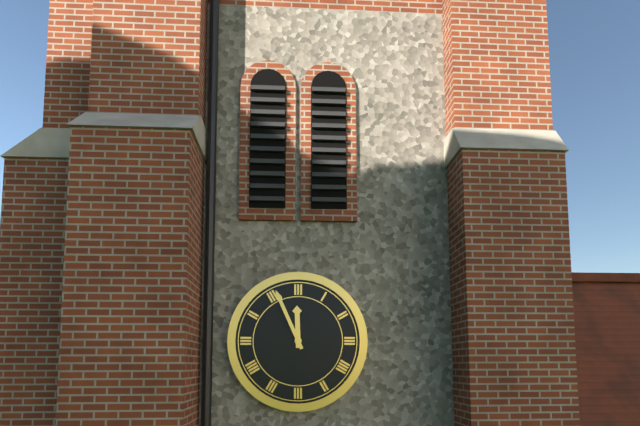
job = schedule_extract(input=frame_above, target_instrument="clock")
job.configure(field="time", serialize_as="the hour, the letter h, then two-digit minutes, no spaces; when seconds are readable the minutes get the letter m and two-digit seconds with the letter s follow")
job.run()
11h56
